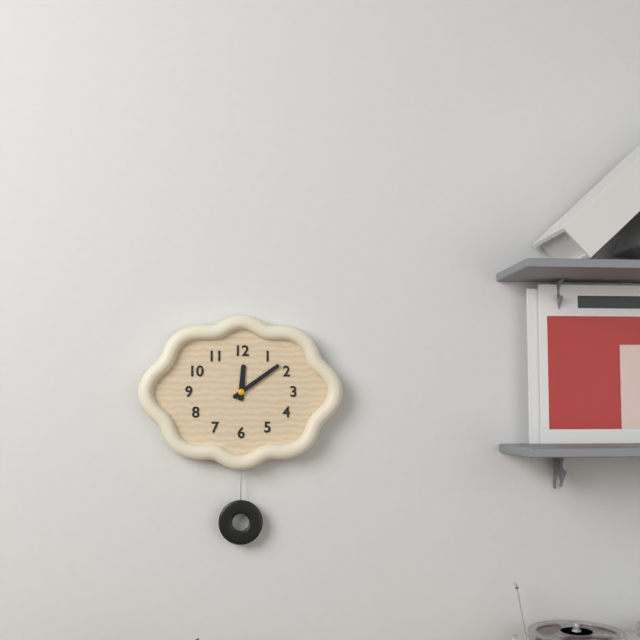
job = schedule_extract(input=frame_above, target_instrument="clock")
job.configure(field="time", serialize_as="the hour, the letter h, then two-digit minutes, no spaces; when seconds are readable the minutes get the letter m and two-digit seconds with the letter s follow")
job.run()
12h09
